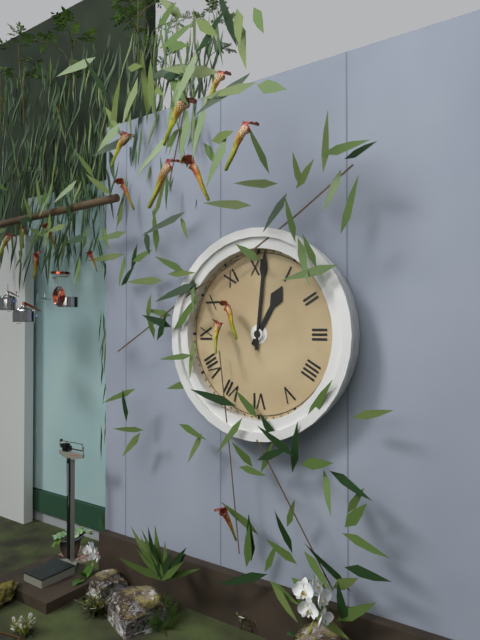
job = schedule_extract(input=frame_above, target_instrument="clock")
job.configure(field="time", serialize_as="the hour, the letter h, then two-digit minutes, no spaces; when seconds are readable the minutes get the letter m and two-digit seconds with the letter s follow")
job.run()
1h01
